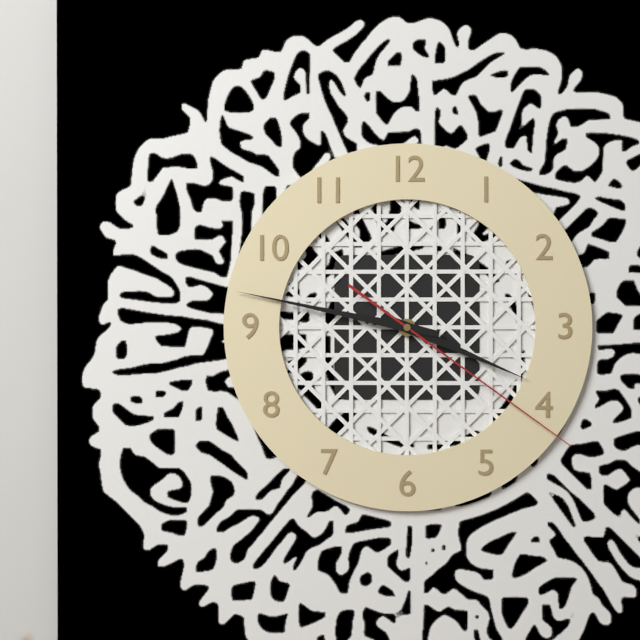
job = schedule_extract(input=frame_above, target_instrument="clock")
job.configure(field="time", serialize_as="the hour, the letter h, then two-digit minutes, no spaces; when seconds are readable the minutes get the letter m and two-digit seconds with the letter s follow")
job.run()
3h47m21s
